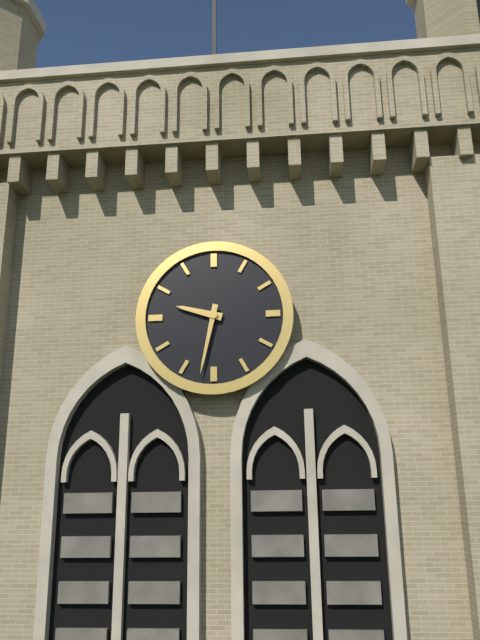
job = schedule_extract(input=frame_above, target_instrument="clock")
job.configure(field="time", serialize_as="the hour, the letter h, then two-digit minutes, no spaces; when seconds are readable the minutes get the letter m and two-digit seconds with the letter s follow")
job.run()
9h32
